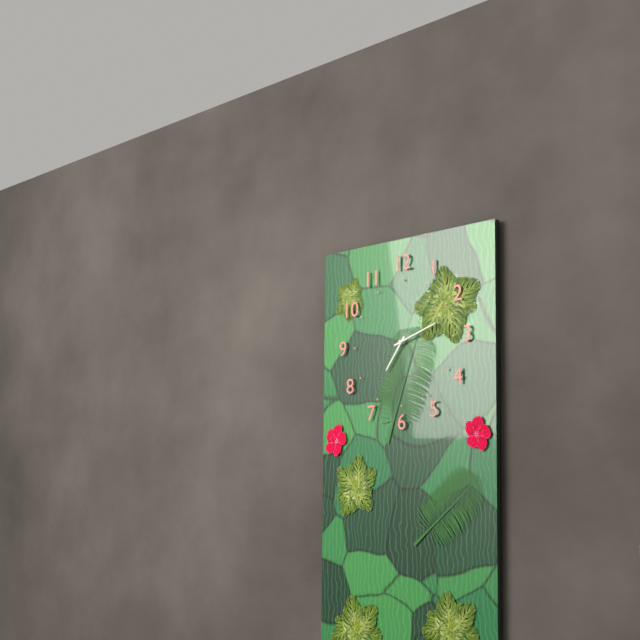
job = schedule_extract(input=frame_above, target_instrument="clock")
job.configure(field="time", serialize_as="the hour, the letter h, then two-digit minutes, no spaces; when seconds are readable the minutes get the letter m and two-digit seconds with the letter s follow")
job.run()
7h12
